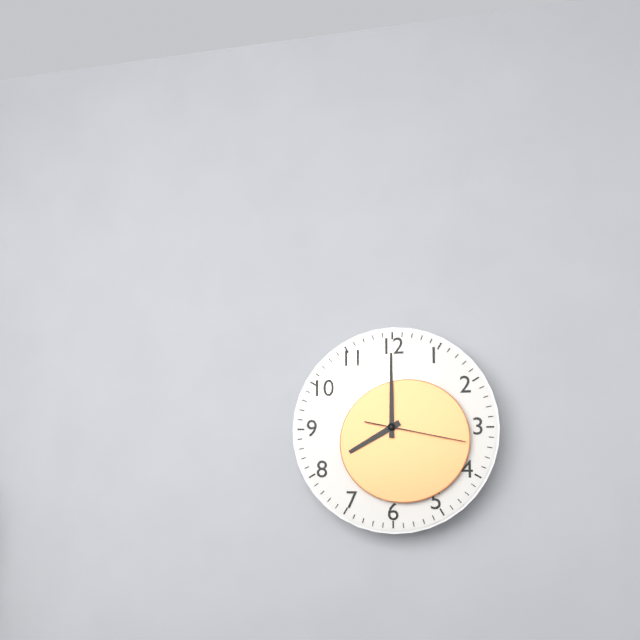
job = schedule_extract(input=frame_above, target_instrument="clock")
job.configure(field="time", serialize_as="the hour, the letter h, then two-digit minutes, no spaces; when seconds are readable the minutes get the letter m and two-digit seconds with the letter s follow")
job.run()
8h00m17s
